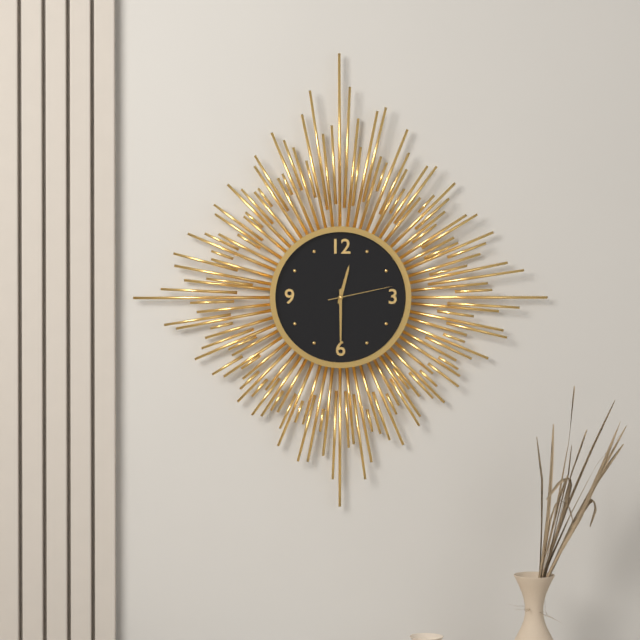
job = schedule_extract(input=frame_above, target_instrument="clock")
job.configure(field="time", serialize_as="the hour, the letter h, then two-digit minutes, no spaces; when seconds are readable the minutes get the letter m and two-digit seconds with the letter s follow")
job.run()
12h30m13s
